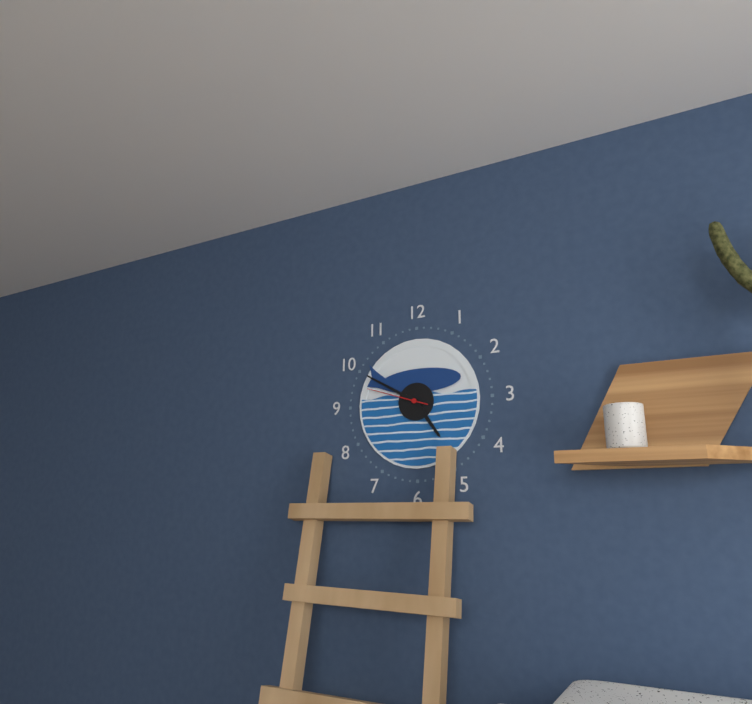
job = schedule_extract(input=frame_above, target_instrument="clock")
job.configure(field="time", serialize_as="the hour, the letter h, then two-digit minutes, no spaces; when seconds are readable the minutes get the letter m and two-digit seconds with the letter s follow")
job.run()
4h50m48s
